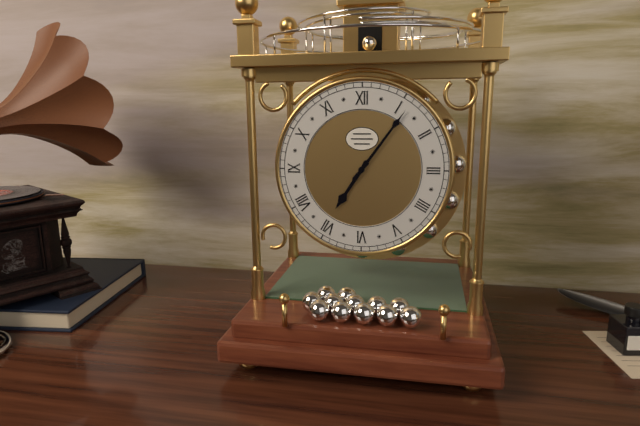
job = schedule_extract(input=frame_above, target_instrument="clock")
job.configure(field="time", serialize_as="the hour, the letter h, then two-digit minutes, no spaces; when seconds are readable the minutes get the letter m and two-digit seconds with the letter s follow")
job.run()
7h06
